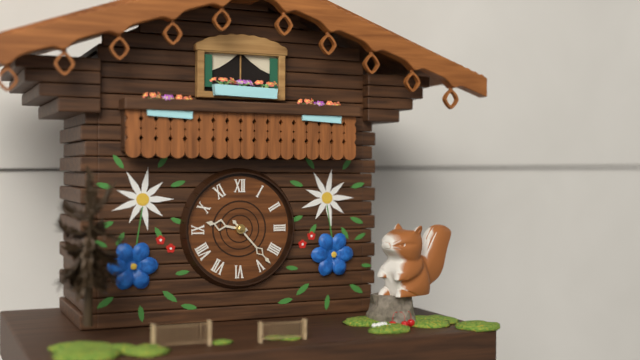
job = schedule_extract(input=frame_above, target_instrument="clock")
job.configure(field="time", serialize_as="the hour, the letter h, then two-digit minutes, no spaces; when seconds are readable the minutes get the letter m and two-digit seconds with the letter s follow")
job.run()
9h23
